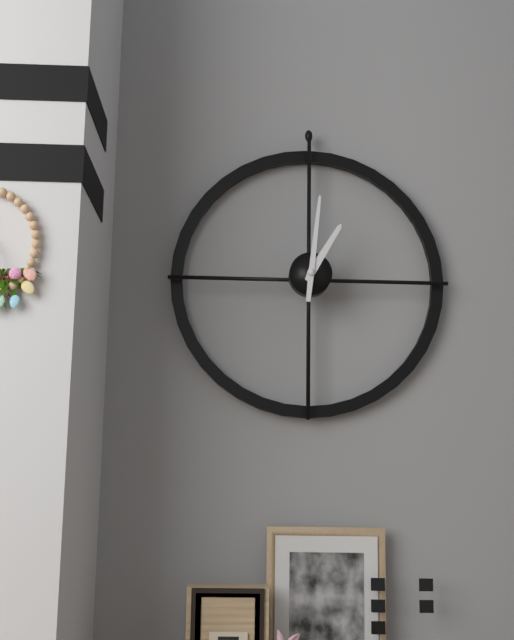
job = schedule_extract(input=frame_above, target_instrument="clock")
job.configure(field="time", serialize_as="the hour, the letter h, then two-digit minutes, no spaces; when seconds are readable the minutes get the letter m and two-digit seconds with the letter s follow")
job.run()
1h01
